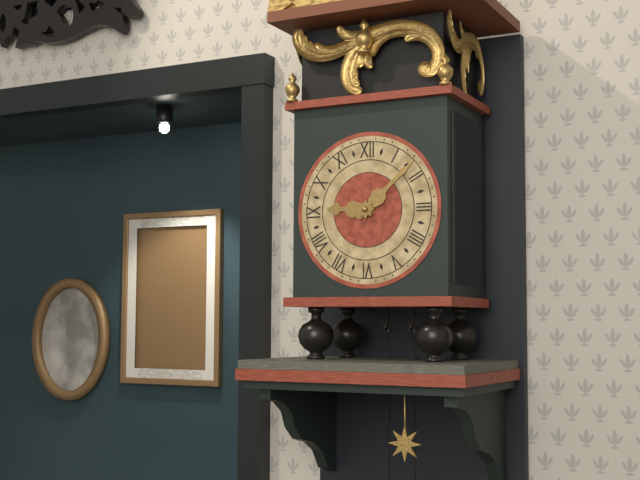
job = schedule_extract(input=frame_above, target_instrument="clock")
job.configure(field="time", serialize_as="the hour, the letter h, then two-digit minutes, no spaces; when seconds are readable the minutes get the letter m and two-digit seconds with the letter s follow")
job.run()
9h08
